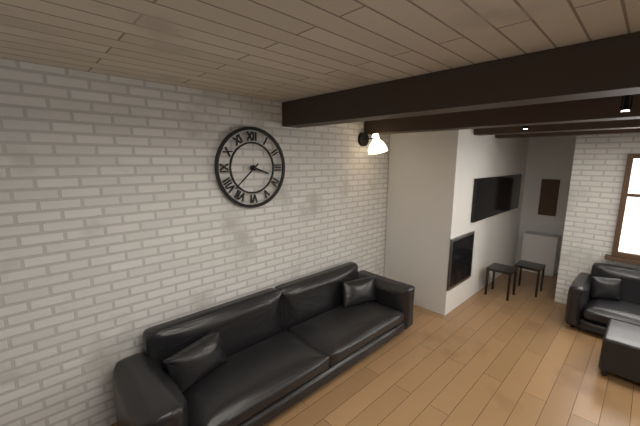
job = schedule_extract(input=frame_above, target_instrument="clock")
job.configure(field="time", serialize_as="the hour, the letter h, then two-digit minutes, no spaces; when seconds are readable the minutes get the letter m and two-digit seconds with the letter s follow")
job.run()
3h38
